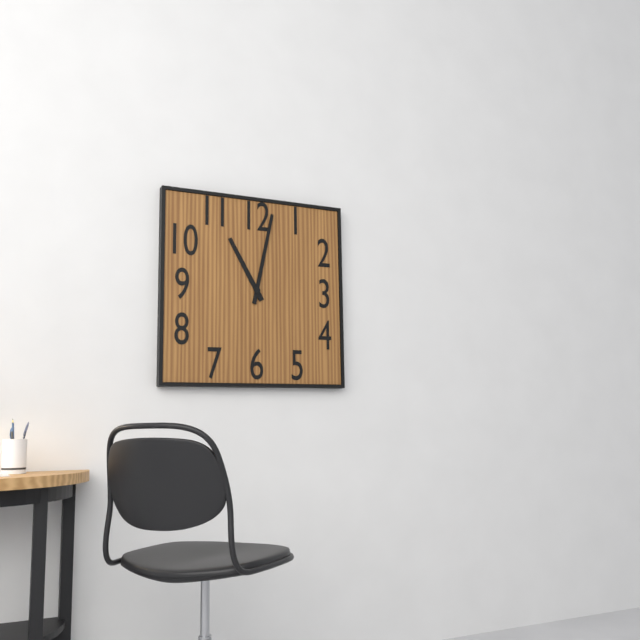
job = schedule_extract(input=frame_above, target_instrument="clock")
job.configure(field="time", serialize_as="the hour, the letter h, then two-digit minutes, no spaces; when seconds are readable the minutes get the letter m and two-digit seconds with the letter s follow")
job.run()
11h02
